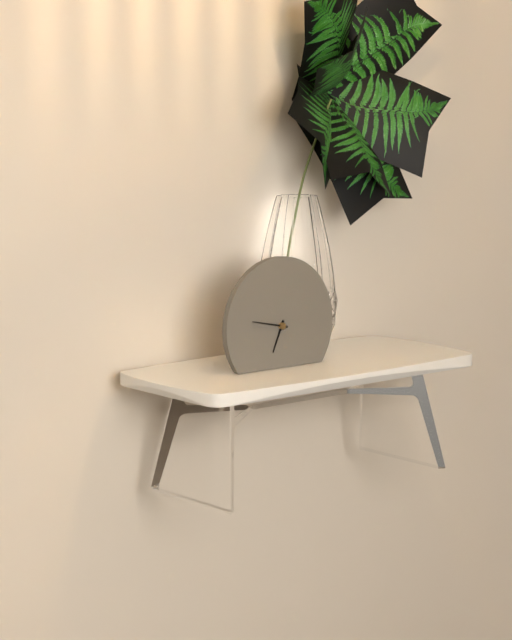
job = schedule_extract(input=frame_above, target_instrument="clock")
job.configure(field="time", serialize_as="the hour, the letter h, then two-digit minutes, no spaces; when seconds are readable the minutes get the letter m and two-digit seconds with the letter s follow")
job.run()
6h47
